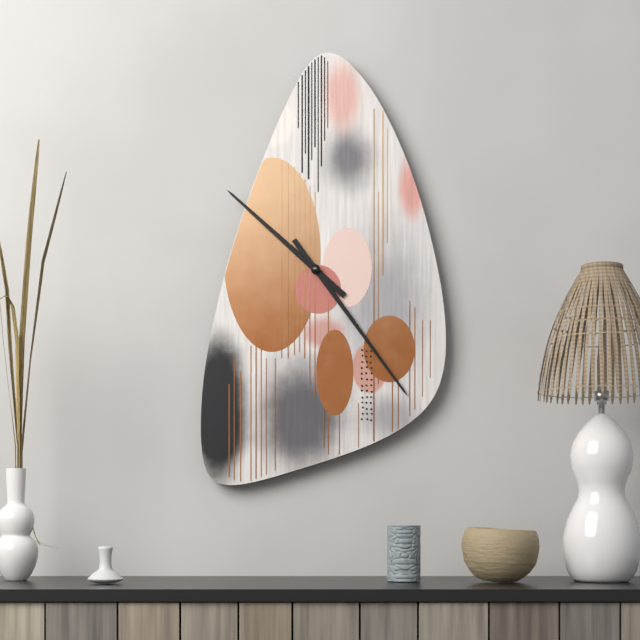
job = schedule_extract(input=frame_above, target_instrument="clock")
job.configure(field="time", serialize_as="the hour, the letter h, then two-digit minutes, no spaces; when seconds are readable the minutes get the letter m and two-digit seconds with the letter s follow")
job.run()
10h24
